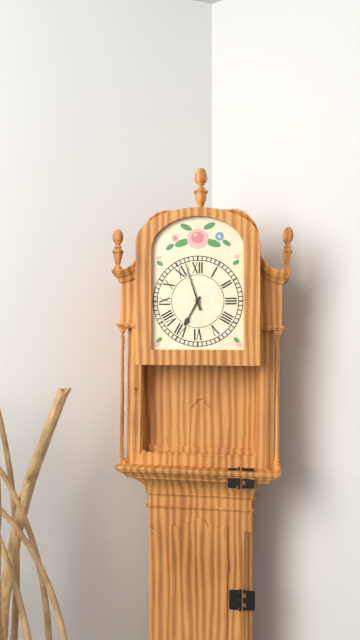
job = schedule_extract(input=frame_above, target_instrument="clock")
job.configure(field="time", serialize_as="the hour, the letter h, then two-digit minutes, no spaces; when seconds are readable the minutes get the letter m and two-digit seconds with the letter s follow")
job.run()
6h57
